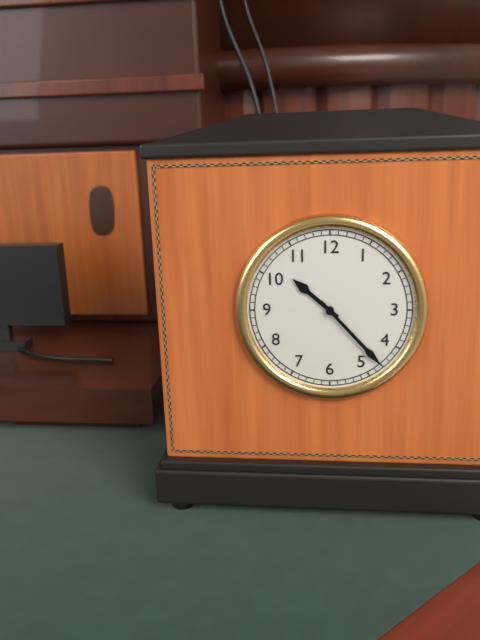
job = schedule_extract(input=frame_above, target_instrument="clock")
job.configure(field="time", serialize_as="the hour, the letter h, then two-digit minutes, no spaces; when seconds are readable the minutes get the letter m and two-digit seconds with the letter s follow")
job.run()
10h23
